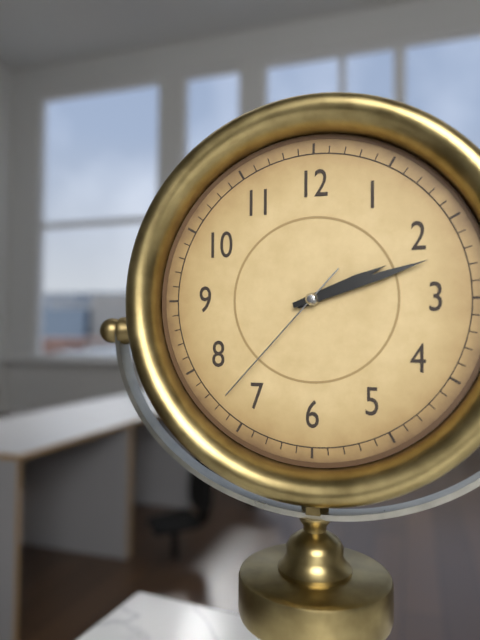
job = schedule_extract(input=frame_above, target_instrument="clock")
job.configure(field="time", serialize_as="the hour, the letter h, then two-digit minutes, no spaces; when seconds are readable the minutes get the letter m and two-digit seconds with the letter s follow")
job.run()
2h12m37s
